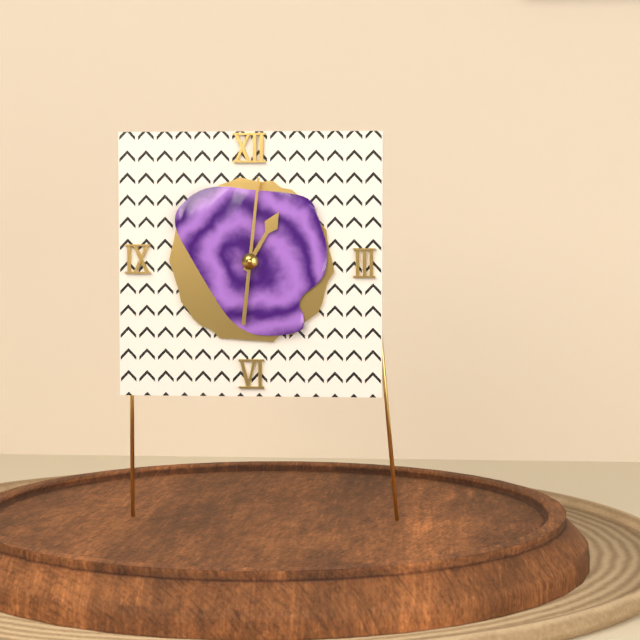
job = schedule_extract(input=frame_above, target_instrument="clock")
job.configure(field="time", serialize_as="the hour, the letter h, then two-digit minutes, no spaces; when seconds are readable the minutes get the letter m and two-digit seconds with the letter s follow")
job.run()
1h01
